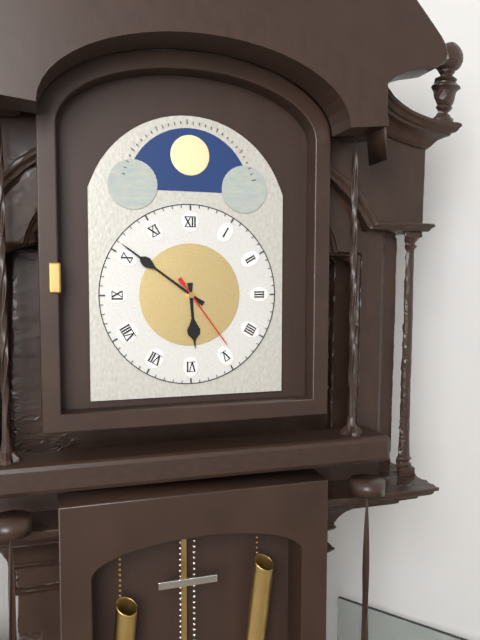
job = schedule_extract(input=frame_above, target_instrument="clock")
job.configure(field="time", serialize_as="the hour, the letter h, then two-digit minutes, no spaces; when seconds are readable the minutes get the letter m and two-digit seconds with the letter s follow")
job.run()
5h51m24s
